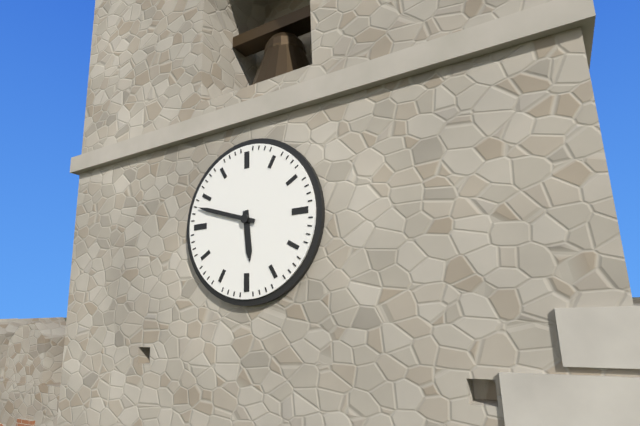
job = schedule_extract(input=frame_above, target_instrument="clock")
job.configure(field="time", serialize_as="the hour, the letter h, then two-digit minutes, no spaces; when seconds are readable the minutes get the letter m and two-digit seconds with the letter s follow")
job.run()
5h48
